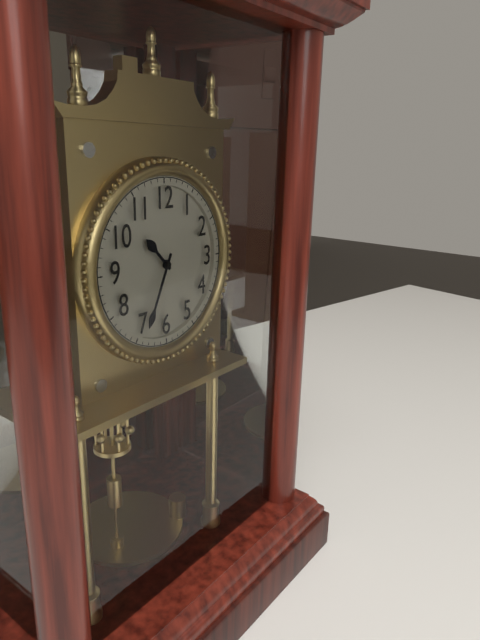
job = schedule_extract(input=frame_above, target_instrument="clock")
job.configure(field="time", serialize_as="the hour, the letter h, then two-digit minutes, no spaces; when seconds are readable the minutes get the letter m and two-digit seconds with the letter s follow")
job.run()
10h34
